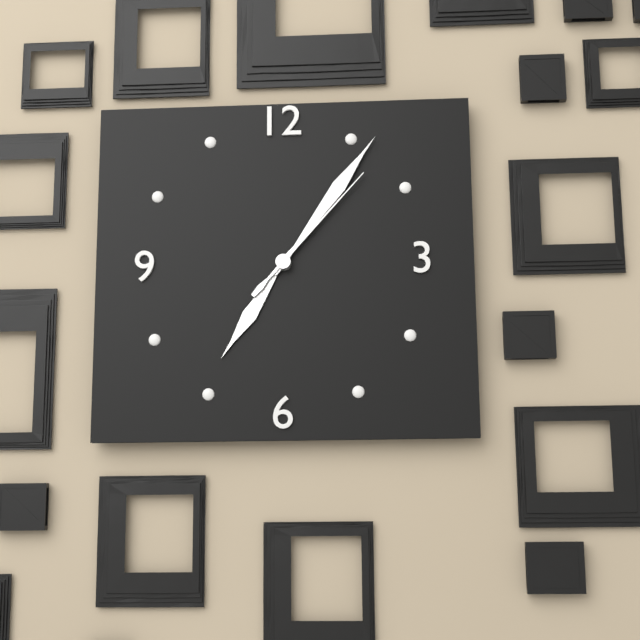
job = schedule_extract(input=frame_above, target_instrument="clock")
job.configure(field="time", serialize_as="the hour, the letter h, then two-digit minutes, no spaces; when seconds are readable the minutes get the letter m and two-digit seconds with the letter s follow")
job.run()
7h06m07s
